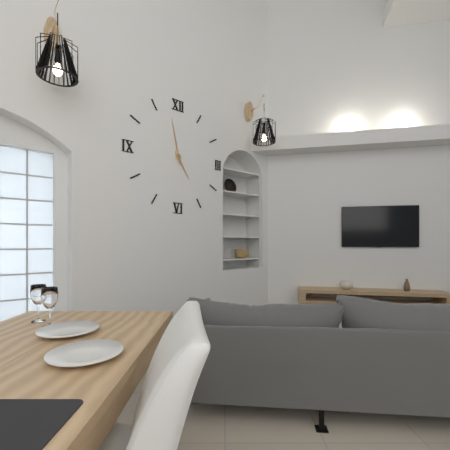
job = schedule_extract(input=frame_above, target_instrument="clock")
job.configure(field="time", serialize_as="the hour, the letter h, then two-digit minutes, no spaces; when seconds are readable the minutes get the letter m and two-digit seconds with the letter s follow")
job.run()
4h58
